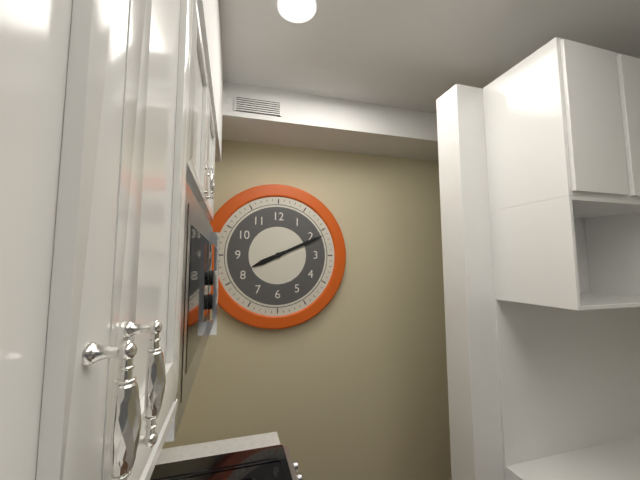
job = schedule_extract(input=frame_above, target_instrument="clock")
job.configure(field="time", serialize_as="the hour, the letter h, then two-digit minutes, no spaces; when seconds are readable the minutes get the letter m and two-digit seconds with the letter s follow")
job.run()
8h11
